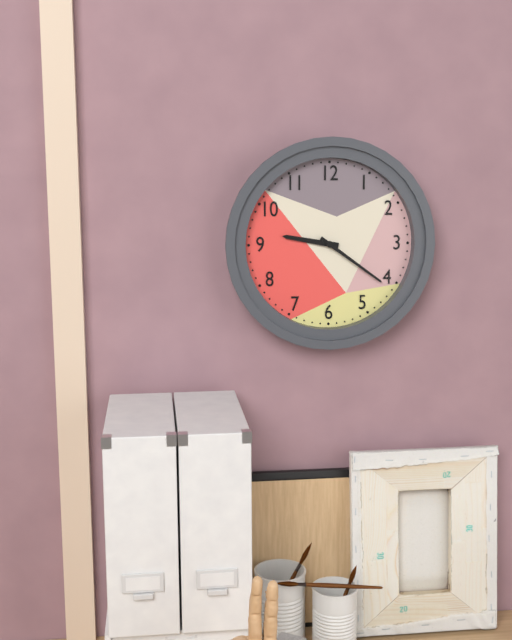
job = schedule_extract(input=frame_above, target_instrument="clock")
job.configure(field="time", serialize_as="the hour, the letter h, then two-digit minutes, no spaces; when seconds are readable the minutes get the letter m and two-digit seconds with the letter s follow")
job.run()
9h21
